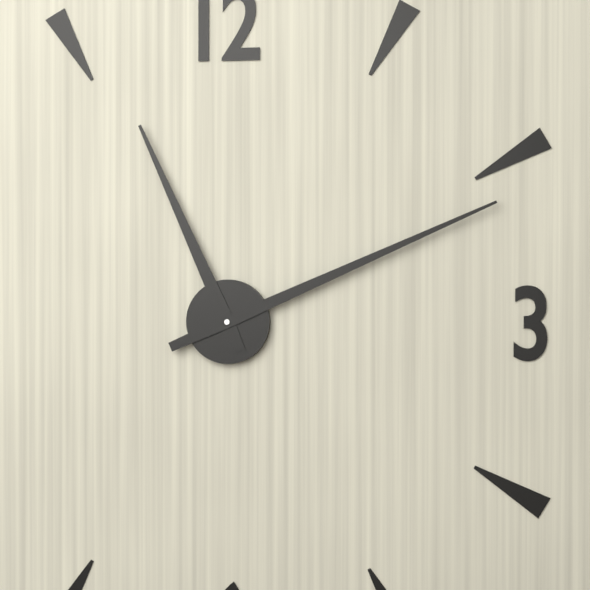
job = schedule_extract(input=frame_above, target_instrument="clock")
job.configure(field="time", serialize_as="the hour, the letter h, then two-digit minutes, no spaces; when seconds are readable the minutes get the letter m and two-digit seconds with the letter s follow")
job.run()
11h11
